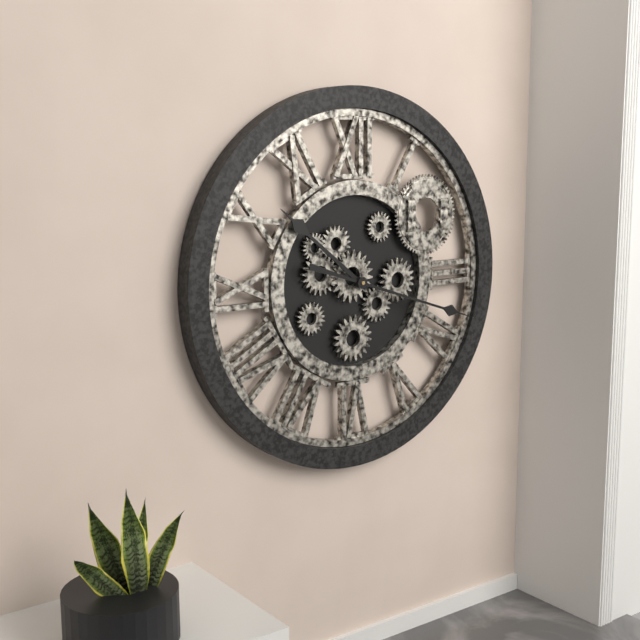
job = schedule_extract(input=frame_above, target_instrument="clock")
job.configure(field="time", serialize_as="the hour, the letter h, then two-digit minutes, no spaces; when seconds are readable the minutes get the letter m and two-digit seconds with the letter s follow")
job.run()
10h18
